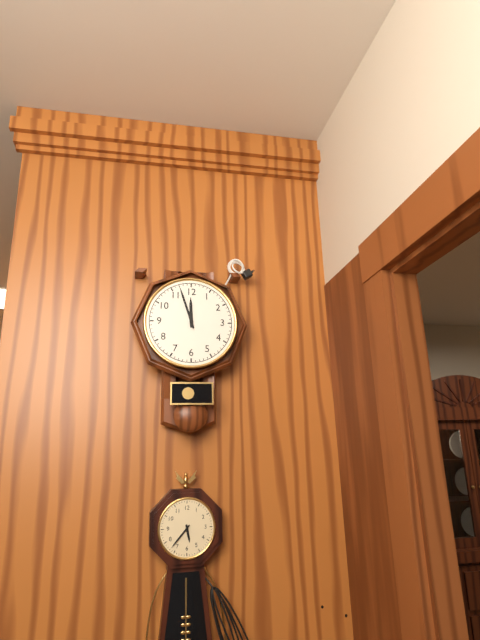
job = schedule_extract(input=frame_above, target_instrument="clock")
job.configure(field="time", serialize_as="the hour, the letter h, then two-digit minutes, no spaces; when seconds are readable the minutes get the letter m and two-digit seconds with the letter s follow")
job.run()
11h57
